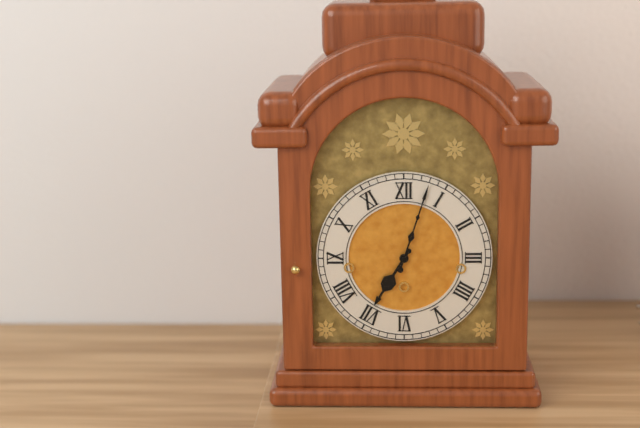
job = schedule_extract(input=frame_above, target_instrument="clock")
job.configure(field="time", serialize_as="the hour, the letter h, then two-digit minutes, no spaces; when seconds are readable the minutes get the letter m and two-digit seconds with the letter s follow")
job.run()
7h03
